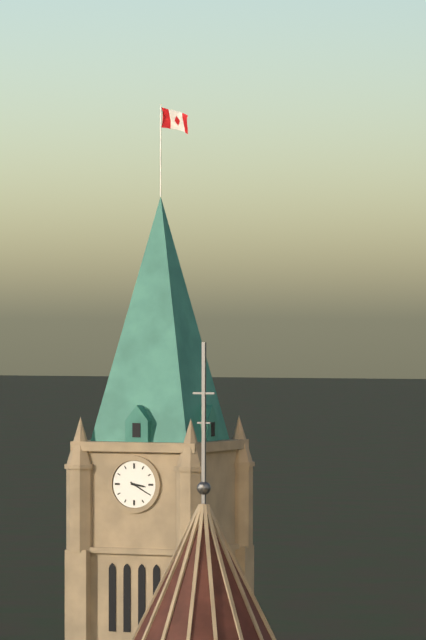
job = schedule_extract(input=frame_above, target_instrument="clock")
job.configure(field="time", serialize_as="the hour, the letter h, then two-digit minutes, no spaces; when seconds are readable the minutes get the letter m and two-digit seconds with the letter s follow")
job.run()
3h20
